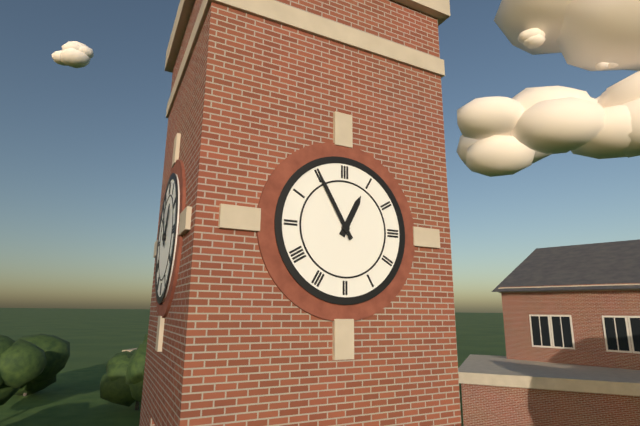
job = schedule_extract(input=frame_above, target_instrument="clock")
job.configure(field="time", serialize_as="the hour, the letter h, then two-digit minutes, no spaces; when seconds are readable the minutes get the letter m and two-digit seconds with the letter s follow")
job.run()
12h55
